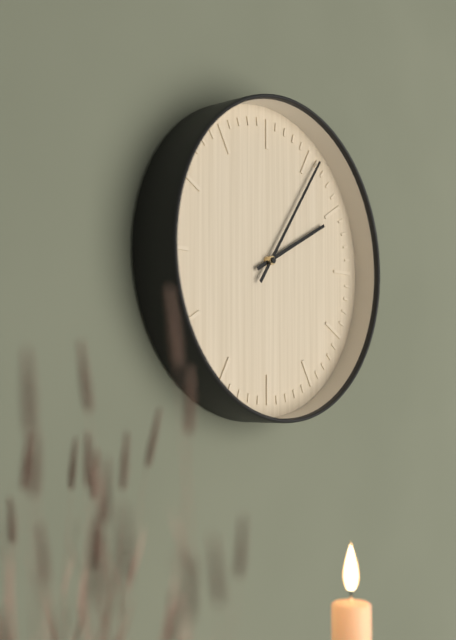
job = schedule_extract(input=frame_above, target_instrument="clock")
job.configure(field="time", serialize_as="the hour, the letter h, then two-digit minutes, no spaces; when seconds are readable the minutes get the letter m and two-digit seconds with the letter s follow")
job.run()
2h06
